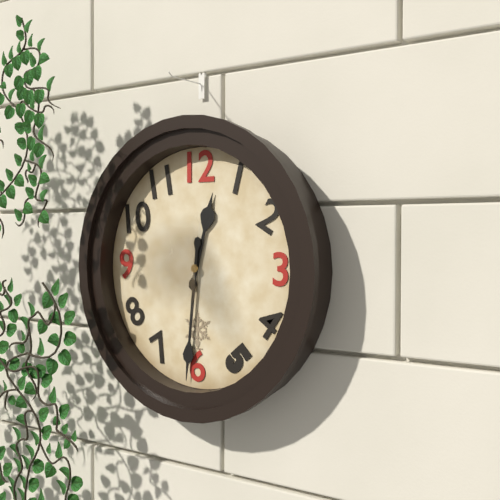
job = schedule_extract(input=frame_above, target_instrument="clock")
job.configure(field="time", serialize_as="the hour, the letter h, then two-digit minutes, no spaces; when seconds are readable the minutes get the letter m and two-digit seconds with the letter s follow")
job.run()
12h31
